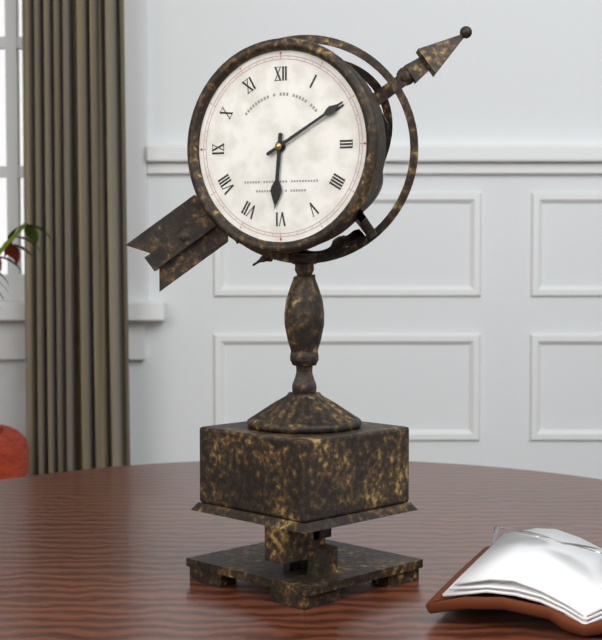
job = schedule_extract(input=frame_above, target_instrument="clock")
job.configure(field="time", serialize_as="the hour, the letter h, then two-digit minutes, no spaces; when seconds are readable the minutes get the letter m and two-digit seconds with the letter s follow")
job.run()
6h10
